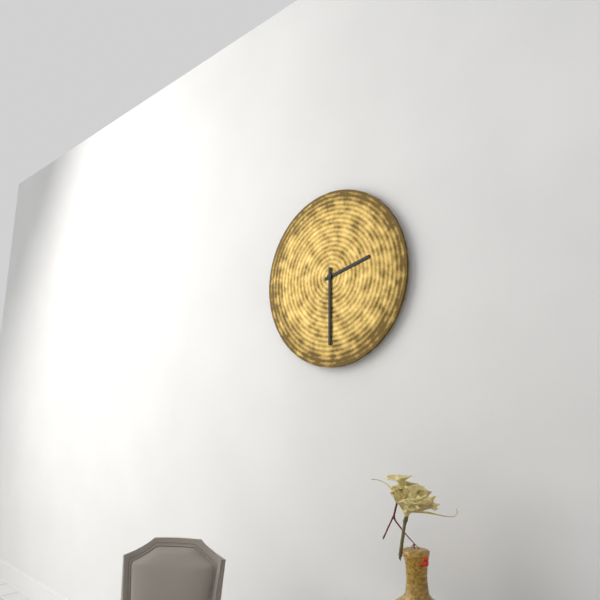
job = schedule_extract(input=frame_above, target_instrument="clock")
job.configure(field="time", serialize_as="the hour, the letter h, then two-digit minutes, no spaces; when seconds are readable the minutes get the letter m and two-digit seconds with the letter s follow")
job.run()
2h30
